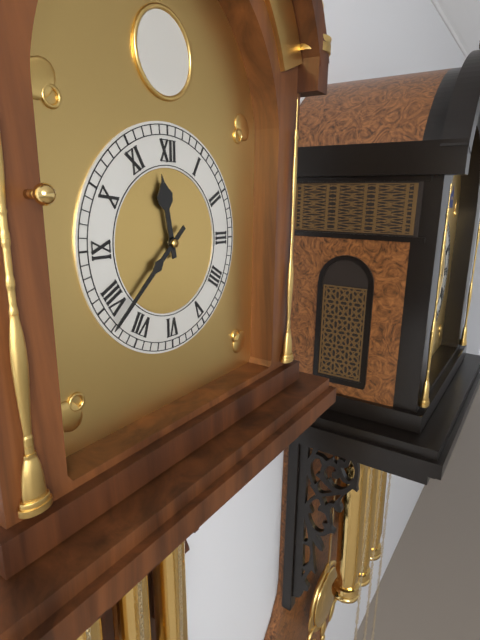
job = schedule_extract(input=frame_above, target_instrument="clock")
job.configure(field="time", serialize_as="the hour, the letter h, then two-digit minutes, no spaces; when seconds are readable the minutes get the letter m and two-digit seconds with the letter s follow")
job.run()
11h38
